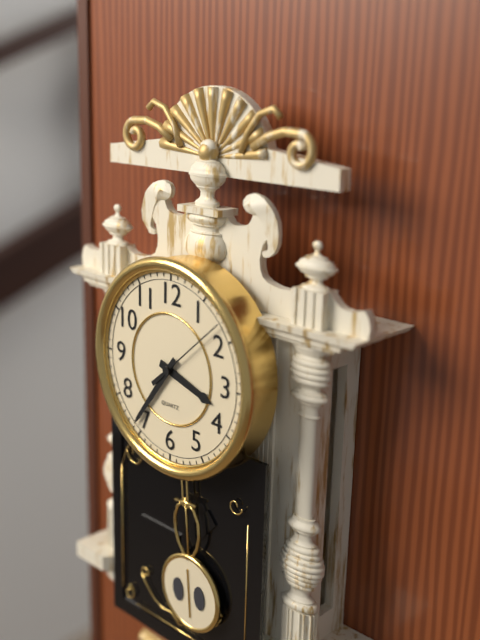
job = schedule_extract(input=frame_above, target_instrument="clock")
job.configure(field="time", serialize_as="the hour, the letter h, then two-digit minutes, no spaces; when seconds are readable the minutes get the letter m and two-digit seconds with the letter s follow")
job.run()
3h36m08s
